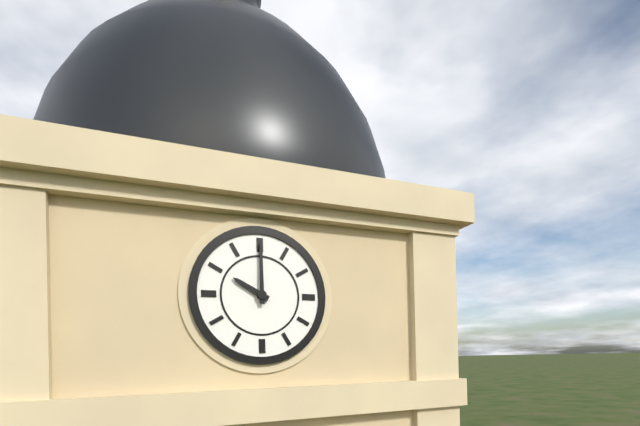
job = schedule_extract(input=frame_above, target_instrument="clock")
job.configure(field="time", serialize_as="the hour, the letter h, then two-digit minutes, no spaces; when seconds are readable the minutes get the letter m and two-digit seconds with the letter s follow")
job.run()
10h00
